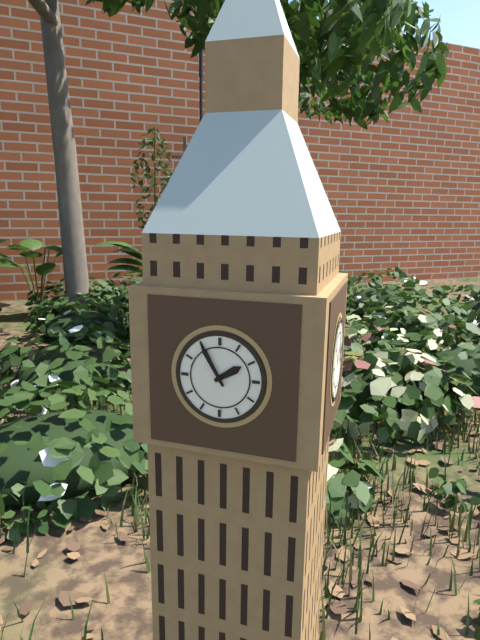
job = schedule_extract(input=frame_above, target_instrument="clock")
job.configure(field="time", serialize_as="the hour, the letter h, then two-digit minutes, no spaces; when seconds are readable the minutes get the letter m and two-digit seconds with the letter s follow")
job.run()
1h55
